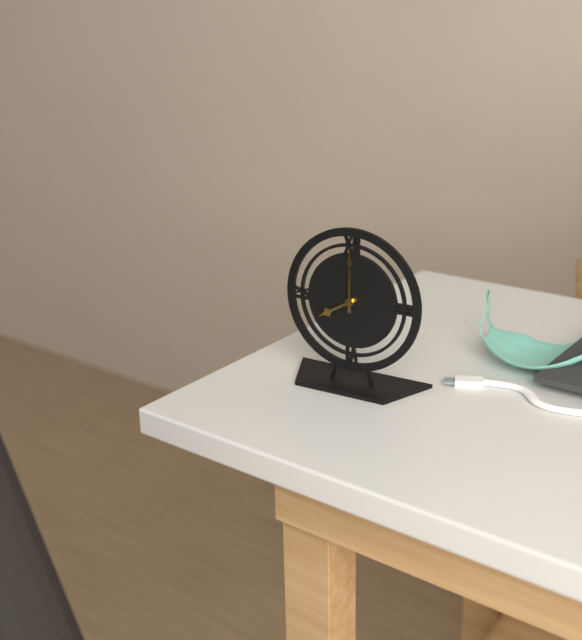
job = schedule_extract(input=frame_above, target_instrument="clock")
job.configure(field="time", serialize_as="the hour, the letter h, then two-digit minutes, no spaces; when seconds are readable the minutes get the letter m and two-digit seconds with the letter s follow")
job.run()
8h00
